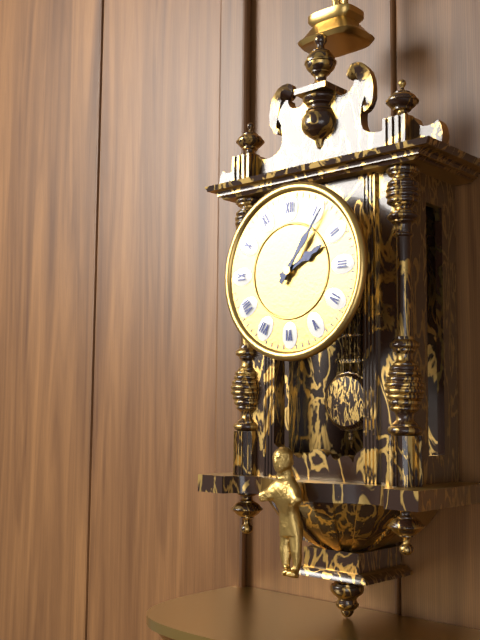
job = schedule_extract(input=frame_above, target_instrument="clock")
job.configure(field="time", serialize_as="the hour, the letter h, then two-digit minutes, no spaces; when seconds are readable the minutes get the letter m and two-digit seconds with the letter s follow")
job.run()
2h06
